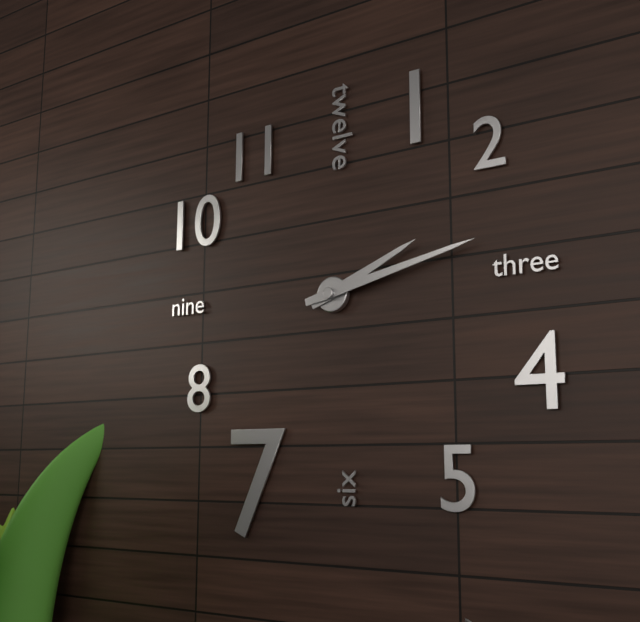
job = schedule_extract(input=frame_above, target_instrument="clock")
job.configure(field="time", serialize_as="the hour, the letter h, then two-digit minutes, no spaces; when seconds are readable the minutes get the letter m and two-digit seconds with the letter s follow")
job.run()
2h13
